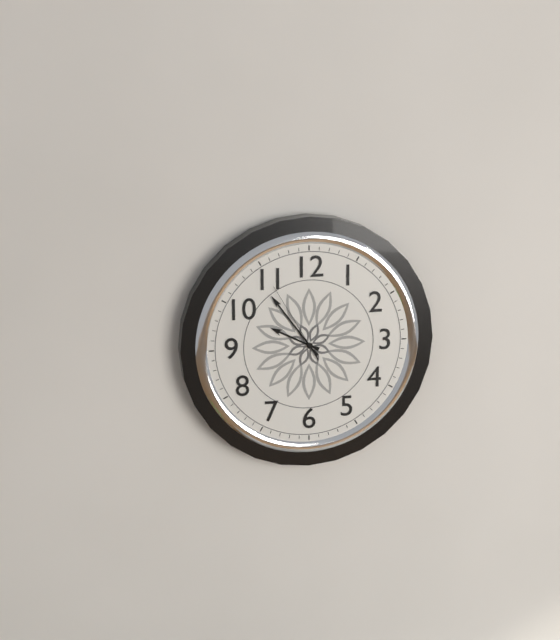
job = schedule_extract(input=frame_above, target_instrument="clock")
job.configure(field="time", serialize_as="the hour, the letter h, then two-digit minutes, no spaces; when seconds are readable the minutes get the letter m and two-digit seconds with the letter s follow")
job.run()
9h54m55s
